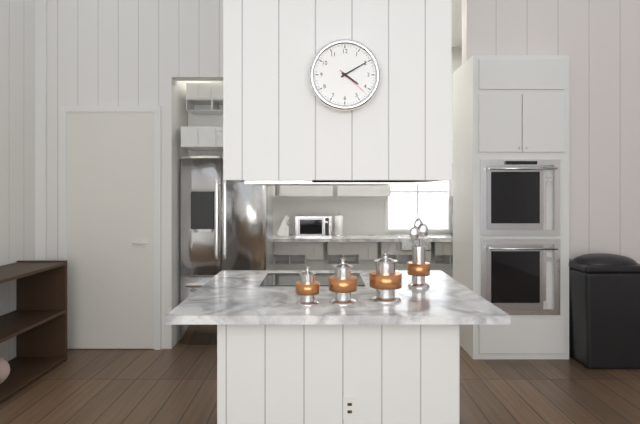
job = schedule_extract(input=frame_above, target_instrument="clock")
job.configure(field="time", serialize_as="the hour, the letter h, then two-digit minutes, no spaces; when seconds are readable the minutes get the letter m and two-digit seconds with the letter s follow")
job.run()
4h10
